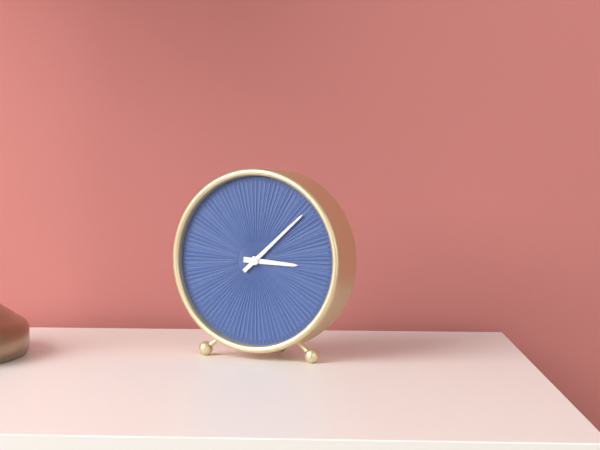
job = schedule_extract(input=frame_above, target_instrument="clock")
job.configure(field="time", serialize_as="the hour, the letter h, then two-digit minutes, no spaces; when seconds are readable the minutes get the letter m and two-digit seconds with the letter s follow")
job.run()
3h08
